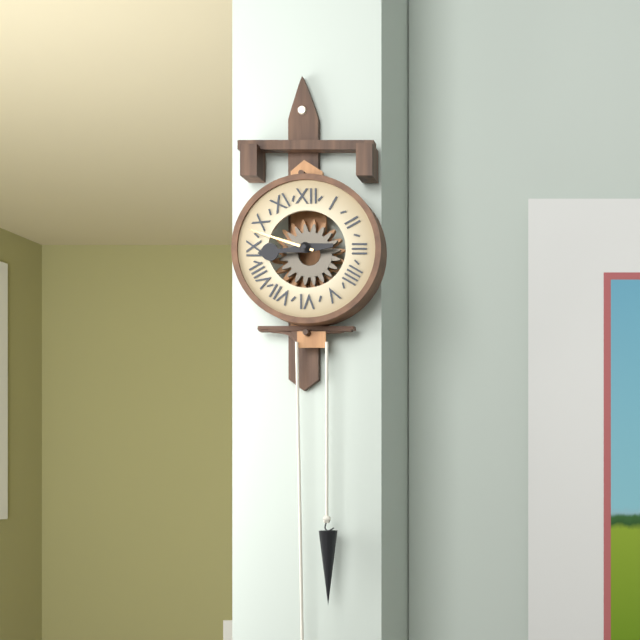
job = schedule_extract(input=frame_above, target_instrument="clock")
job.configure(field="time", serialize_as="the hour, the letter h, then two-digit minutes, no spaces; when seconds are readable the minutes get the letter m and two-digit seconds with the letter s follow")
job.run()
8h48
